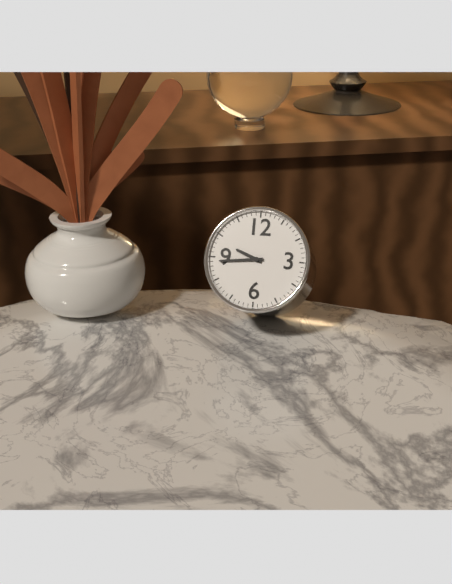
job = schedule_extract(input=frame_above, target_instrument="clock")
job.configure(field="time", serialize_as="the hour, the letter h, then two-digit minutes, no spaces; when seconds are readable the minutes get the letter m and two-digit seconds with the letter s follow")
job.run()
9h44
